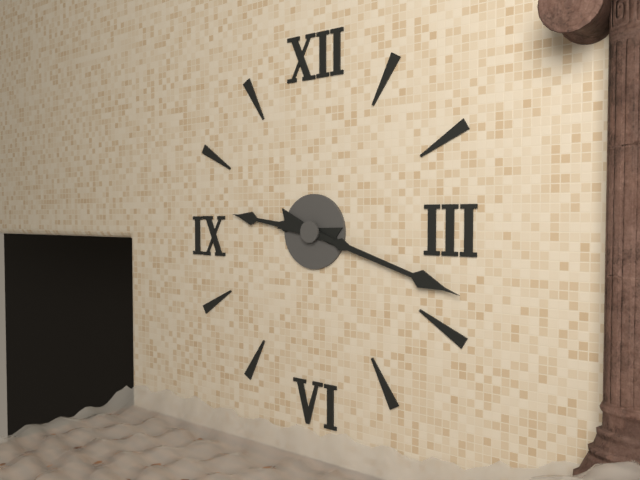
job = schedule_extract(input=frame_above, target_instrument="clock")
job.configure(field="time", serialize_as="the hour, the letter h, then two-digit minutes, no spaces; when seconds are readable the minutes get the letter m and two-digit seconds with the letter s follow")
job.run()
9h18
